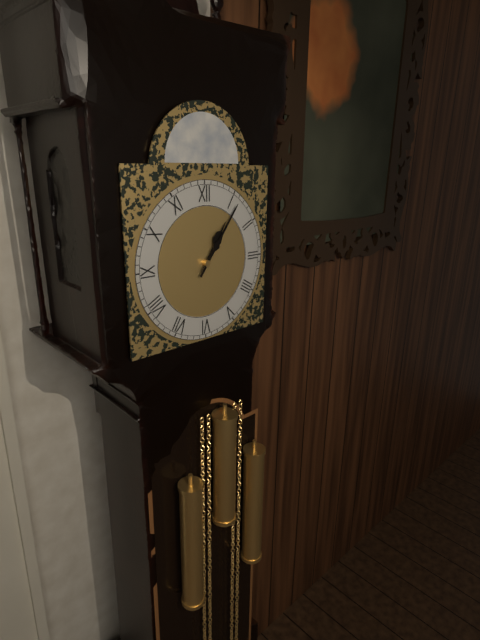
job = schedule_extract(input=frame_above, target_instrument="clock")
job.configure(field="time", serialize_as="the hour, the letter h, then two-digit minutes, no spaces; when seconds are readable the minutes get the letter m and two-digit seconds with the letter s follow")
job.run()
1h06
